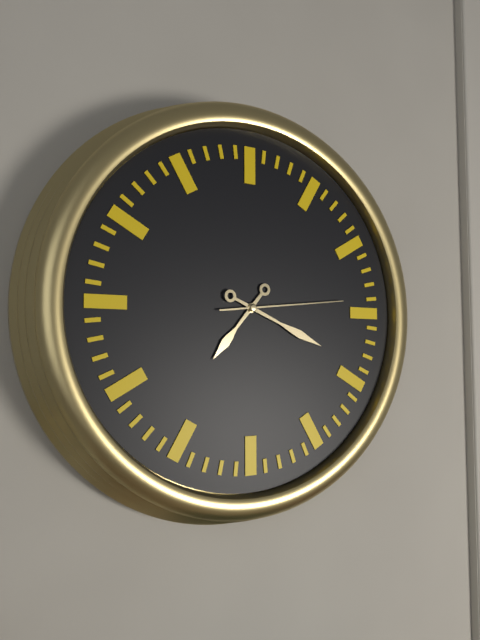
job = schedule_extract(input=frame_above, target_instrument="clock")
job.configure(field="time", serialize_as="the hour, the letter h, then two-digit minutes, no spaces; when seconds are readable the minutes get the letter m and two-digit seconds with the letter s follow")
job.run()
7h19m14s
